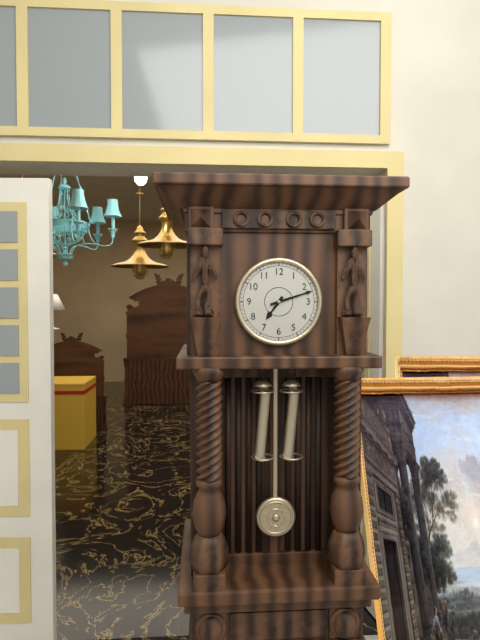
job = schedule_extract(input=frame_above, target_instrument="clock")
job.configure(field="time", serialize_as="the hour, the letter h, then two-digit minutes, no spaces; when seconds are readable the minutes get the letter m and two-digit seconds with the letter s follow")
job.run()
7h12
